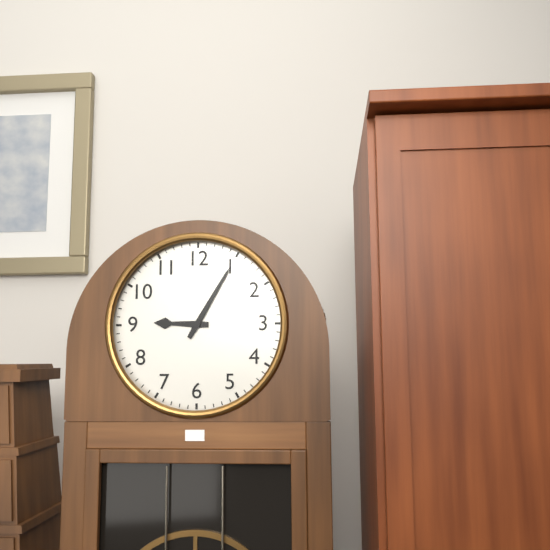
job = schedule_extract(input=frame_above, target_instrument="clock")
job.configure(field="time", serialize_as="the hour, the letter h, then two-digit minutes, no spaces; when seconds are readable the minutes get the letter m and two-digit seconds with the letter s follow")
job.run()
9h05
